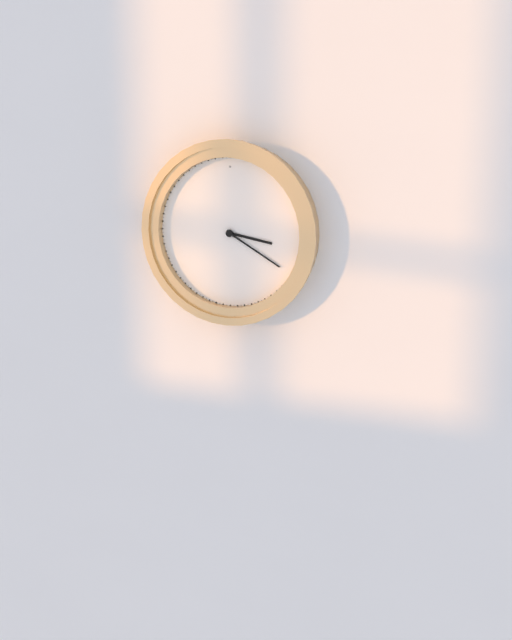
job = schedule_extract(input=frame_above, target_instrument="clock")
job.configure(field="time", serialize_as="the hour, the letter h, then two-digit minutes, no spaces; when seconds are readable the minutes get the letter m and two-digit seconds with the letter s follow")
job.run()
3h20
